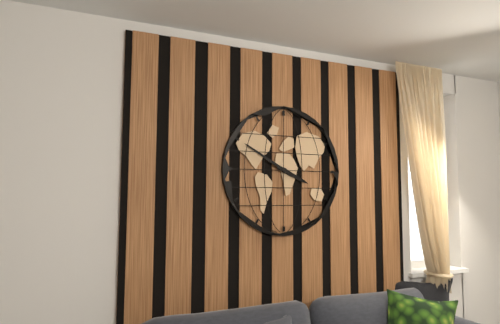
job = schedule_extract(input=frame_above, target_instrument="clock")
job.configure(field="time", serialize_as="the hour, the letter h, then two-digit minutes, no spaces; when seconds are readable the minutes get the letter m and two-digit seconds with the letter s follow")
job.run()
3h50
